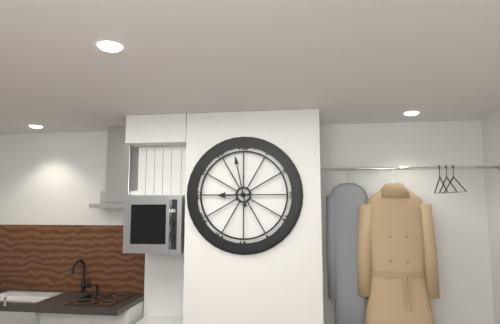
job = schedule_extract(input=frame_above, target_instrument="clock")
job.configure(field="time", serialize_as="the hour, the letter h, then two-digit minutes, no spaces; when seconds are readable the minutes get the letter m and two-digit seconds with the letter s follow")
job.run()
8h58
